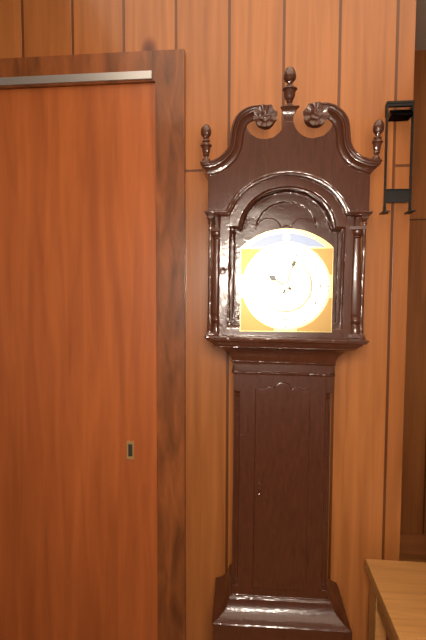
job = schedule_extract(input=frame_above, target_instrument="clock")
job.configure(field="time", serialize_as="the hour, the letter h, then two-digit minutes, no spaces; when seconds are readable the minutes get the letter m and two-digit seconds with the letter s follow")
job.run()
10h03
